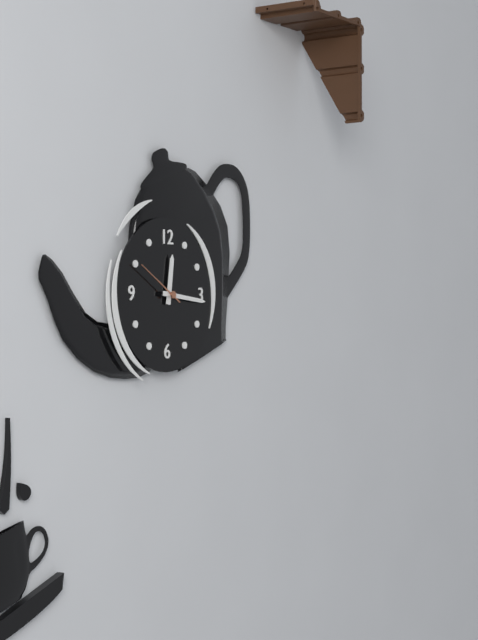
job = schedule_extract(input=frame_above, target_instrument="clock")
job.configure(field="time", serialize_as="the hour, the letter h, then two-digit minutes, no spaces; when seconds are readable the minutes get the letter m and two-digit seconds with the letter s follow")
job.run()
12h16m50s
